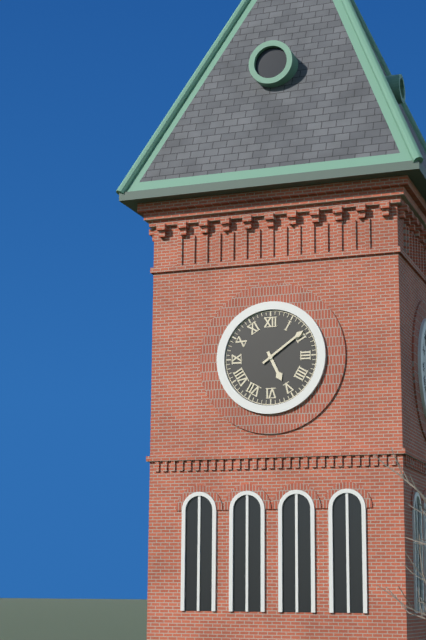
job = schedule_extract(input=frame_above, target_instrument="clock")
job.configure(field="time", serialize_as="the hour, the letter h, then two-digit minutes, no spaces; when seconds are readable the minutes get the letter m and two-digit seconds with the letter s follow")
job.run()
5h09
